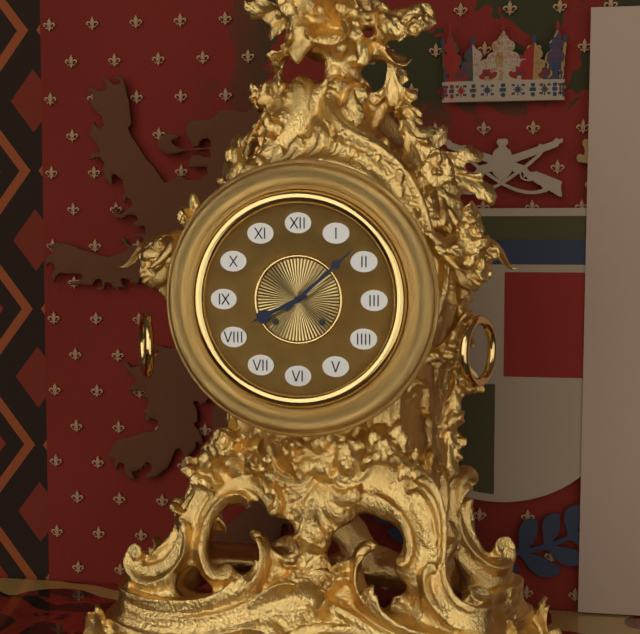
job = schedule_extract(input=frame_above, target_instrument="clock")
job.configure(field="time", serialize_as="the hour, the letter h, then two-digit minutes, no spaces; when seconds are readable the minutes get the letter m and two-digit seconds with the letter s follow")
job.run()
8h08
